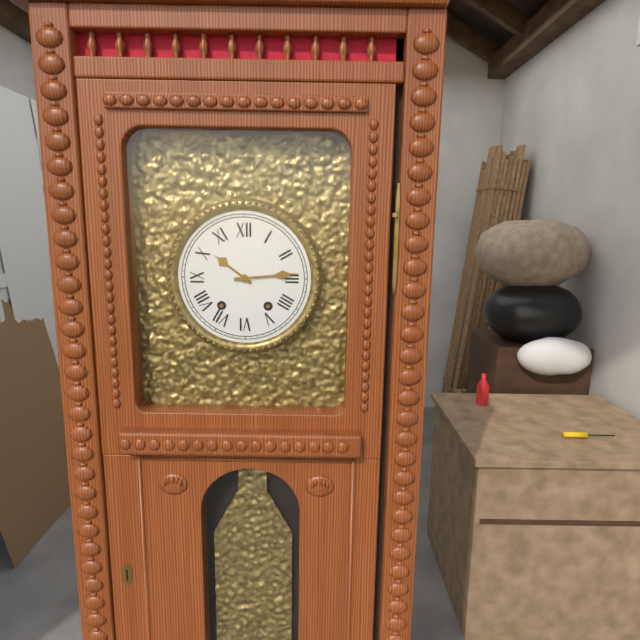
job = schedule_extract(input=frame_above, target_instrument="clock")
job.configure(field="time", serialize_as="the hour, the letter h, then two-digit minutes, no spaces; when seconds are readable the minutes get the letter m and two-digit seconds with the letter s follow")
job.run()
10h14
